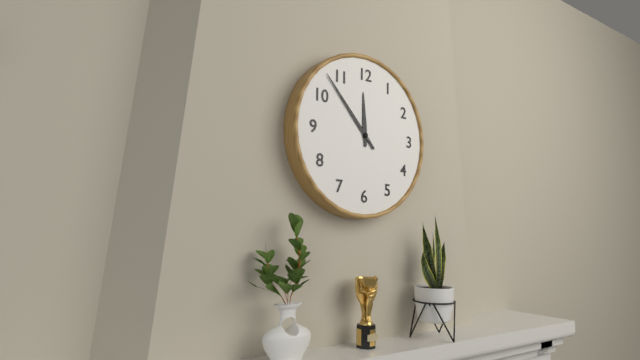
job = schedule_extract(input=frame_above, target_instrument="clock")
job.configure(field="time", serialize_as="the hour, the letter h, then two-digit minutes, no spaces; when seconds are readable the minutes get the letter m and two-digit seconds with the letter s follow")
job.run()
11h53
